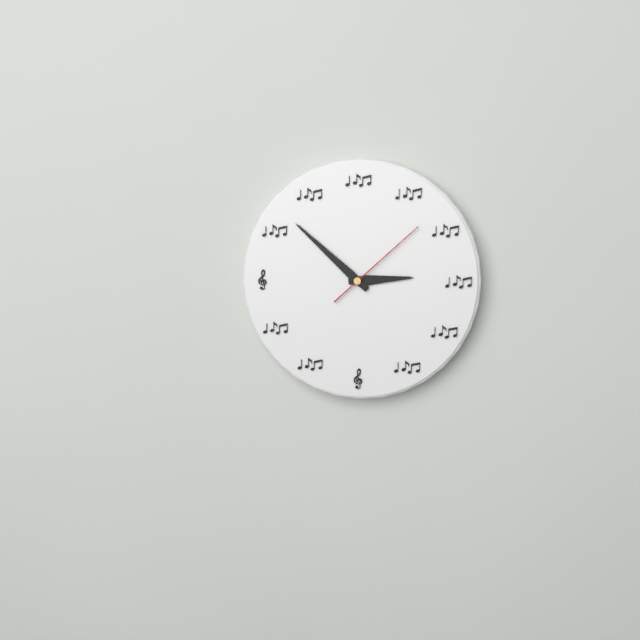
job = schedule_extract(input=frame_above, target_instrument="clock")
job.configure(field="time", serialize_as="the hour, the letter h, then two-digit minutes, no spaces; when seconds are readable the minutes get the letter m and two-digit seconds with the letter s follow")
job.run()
2h52m08s
